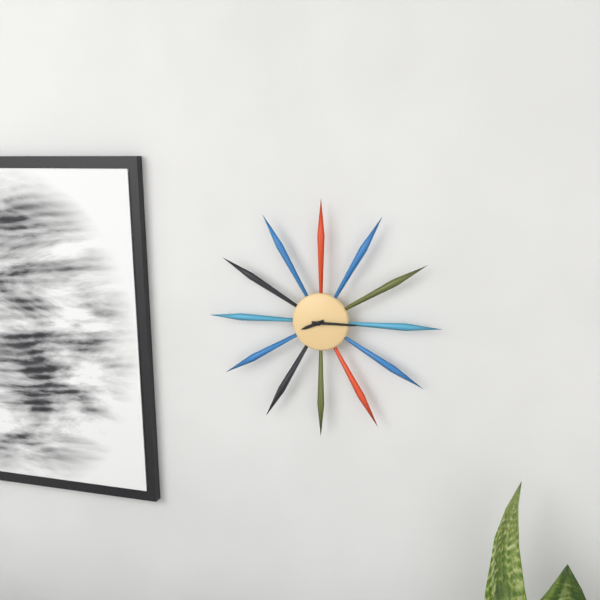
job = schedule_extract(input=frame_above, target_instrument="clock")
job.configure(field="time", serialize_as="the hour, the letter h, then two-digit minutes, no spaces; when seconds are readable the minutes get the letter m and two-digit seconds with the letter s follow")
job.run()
8h15
